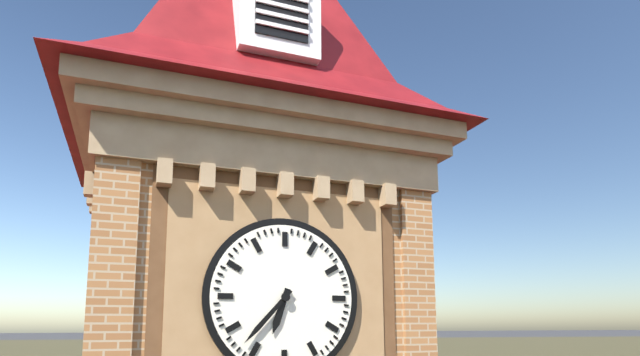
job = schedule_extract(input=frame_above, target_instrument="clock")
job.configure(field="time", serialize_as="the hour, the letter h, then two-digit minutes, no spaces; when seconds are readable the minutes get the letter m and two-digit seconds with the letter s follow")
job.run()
6h37
